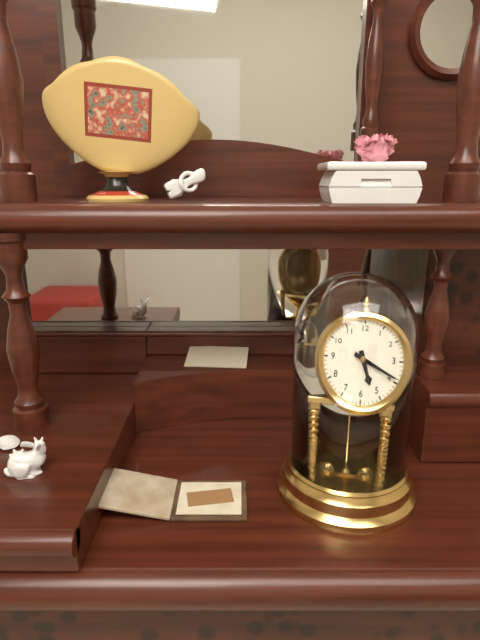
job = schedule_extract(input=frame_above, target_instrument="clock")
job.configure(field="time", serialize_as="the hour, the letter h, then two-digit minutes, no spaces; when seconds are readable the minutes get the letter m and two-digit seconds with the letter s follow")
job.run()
5h19
